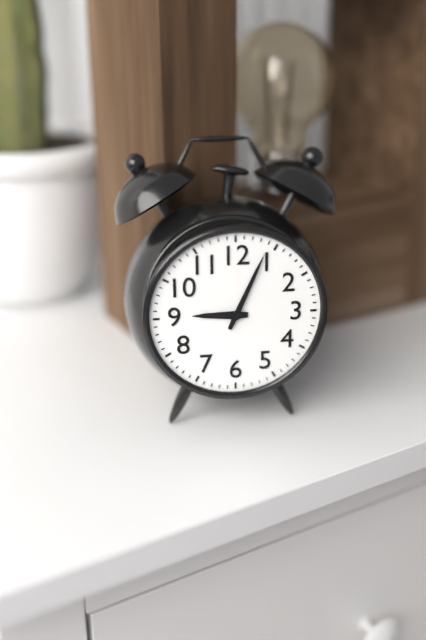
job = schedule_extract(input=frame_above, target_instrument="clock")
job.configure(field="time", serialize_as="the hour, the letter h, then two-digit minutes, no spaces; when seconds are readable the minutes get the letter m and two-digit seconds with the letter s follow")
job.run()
9h04
